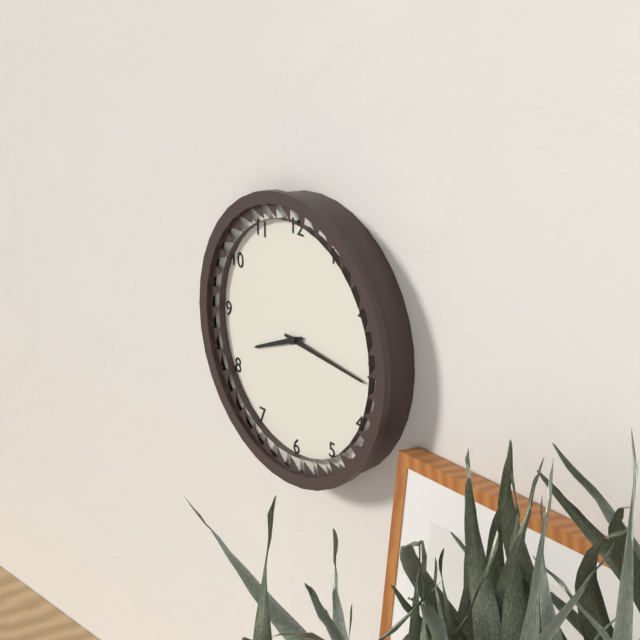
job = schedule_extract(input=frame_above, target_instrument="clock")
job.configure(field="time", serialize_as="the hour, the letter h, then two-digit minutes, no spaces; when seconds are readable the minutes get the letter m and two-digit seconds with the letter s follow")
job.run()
8h16
